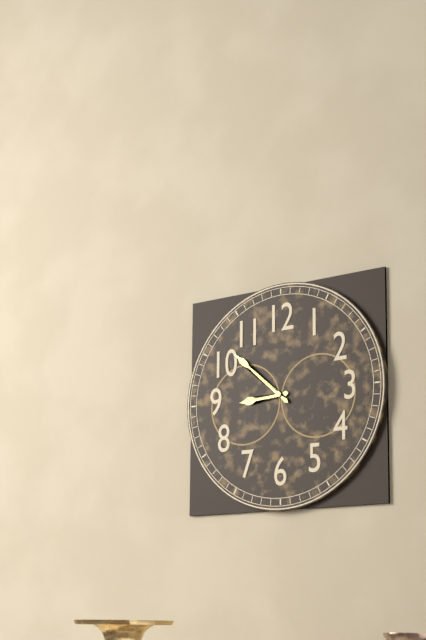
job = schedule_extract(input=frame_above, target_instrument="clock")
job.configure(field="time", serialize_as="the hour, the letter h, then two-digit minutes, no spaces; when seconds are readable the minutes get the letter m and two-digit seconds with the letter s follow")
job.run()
8h52
